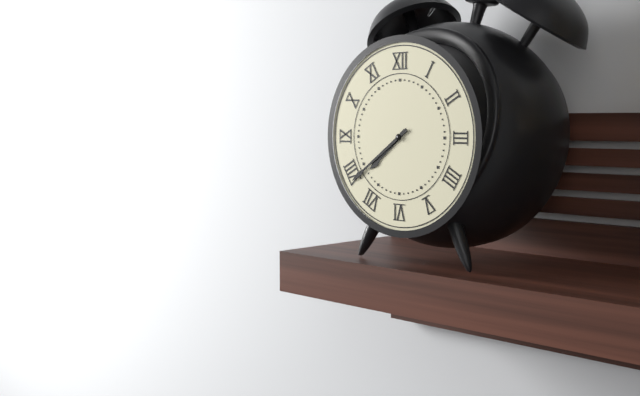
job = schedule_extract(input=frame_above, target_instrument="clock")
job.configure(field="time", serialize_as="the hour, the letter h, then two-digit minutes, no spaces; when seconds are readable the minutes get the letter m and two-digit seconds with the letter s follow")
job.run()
7h39
